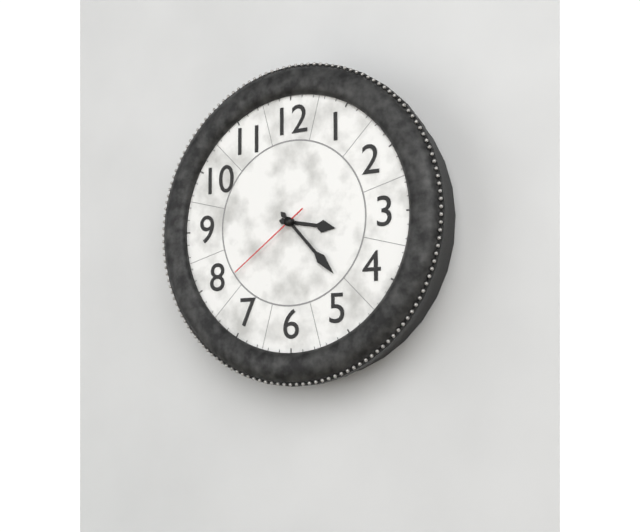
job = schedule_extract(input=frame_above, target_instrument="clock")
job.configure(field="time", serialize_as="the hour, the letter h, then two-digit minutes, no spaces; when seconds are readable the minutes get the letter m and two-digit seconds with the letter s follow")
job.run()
3h23m39s
